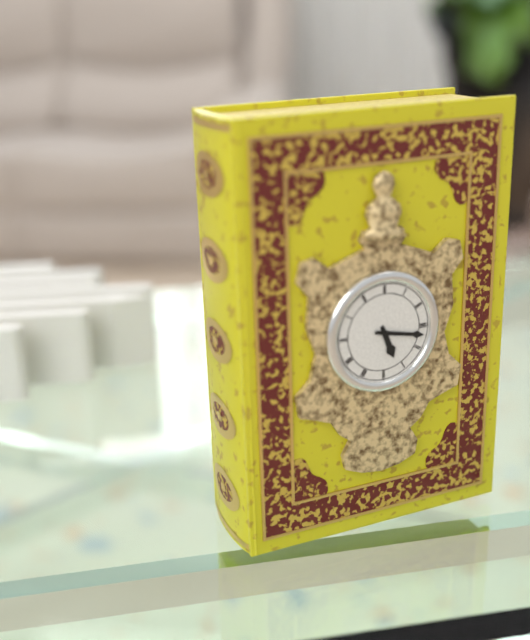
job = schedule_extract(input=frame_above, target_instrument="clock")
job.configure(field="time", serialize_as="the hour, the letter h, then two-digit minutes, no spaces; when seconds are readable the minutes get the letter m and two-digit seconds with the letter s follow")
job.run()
5h17
